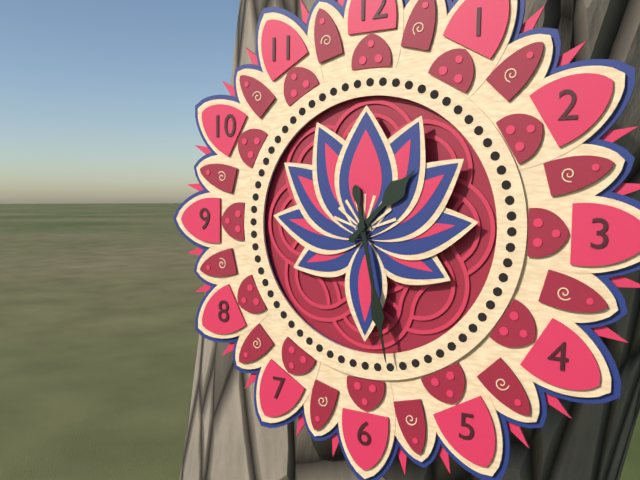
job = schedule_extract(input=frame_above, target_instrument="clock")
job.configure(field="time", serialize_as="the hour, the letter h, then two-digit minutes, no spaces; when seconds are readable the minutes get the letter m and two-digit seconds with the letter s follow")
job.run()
1h28
